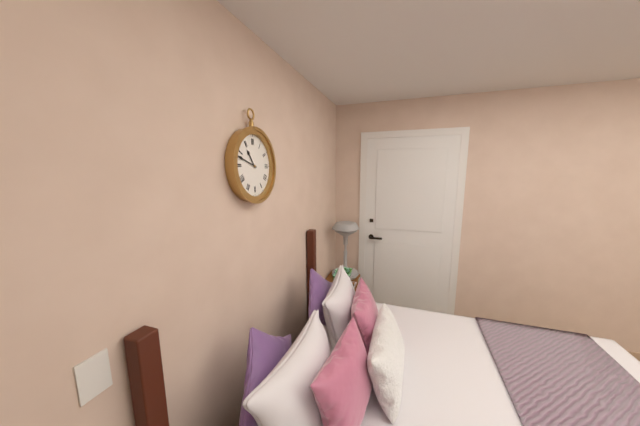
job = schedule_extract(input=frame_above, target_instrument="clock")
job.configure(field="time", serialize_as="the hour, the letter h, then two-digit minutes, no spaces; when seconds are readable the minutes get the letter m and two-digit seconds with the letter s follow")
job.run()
10h48
